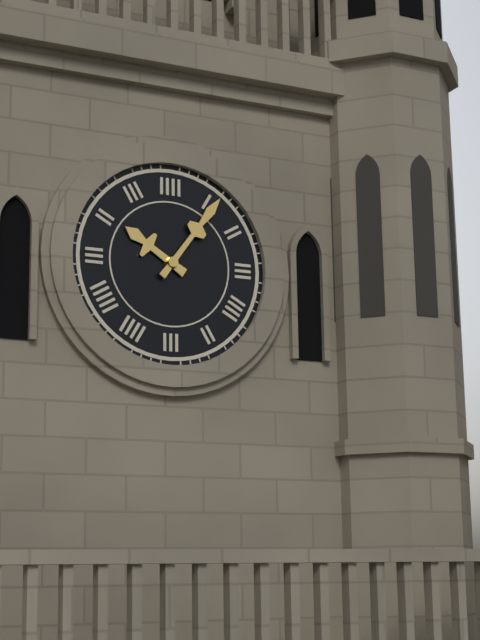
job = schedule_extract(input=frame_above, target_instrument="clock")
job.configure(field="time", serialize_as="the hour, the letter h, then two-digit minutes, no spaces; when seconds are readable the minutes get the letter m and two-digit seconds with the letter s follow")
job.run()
10h06
